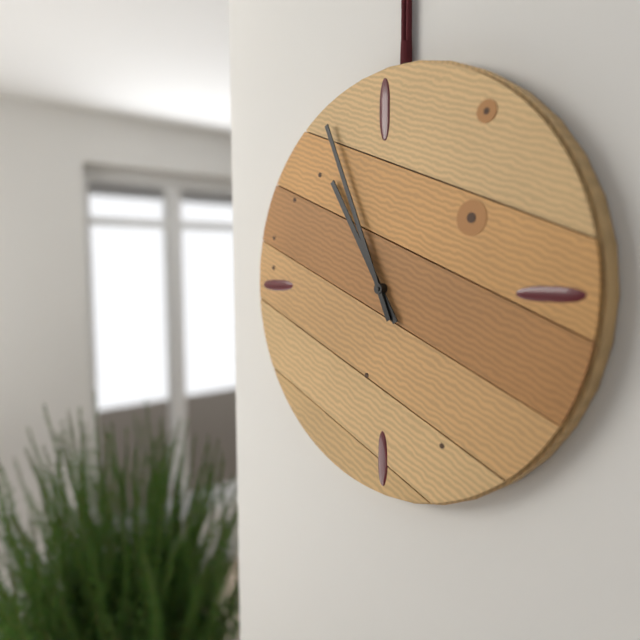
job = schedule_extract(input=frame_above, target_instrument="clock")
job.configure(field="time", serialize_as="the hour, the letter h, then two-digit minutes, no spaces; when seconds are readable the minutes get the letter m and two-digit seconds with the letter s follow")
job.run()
10h56
